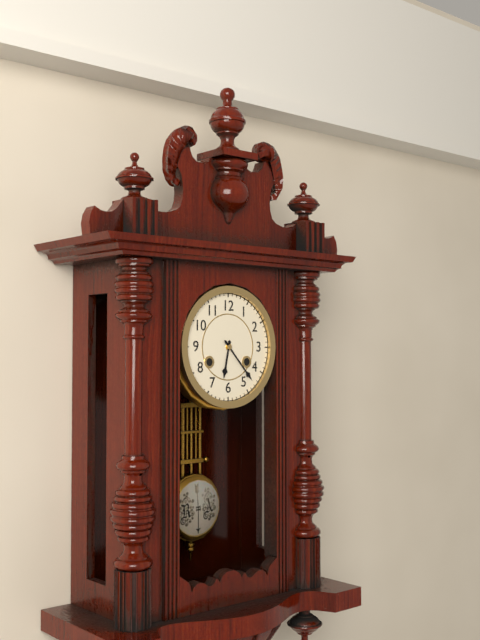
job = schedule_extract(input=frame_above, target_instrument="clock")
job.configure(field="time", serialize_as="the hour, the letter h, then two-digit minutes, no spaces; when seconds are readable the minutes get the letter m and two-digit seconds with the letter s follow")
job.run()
6h23
